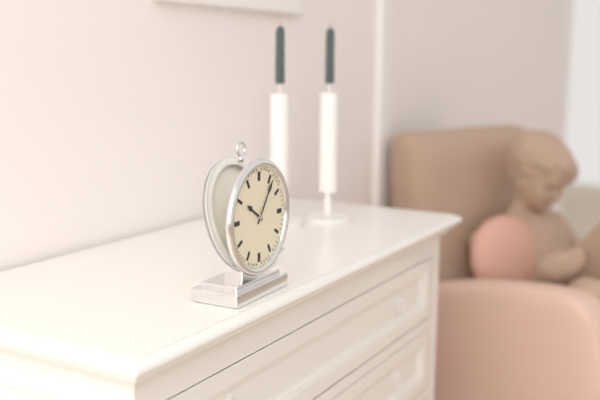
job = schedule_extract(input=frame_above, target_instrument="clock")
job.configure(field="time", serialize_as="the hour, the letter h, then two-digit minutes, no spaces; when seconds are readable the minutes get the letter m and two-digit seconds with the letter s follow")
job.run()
10h06
